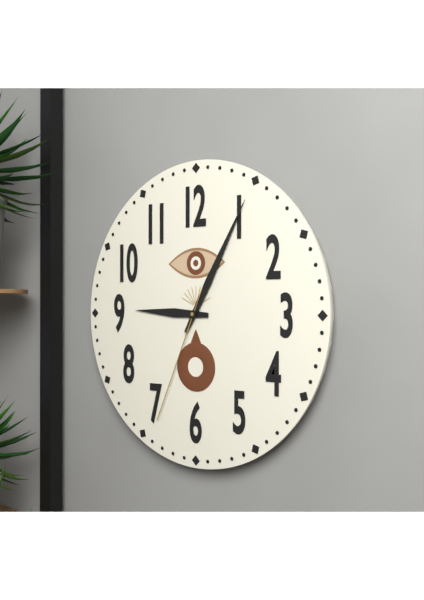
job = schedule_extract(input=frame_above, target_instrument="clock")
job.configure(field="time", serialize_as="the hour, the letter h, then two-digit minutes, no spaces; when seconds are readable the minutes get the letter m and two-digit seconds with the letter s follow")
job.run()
9h05m34s
